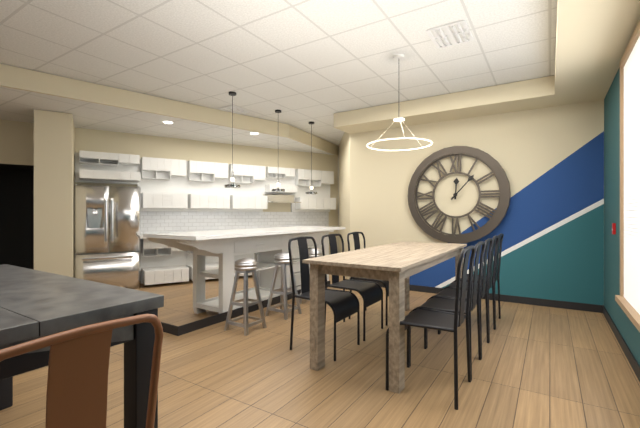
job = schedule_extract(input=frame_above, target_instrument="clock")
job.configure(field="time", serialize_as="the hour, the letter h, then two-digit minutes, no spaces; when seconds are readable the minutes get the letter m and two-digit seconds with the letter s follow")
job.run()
12h07
